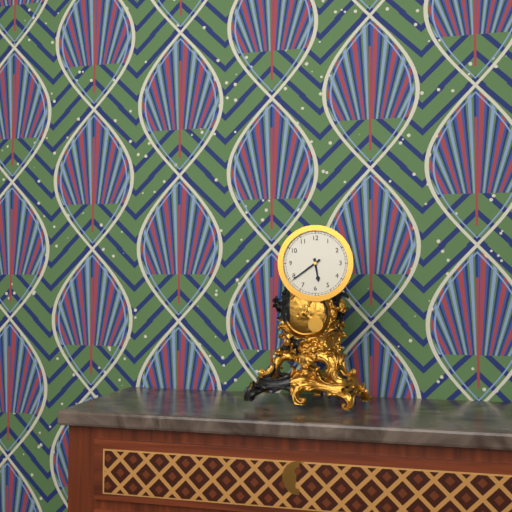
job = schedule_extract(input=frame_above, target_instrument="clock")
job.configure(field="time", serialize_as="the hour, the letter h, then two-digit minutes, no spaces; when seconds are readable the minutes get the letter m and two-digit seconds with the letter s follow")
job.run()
5h39
